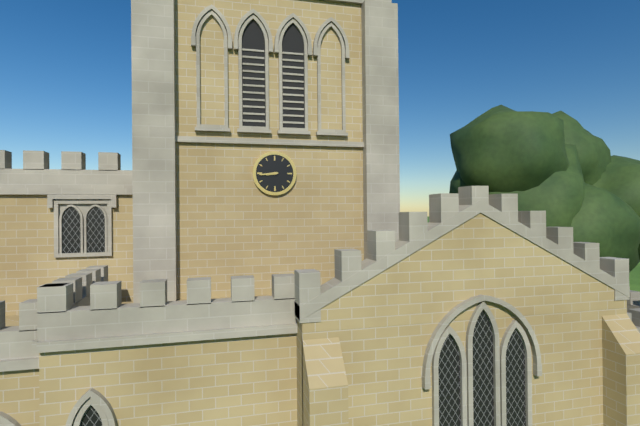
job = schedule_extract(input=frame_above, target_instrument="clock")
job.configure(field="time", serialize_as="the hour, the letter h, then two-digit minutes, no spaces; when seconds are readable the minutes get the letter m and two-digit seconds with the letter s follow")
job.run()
8h44
